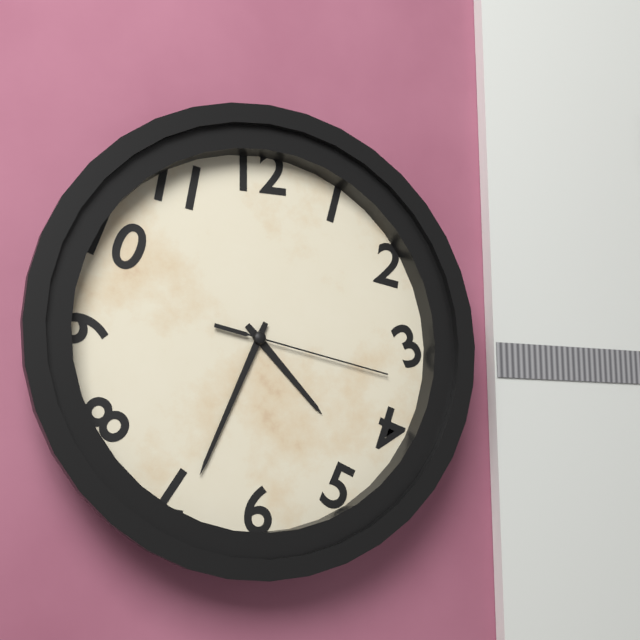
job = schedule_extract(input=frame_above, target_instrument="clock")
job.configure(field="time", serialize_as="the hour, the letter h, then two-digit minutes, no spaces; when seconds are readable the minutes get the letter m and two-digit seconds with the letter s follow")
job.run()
4h34m17s
